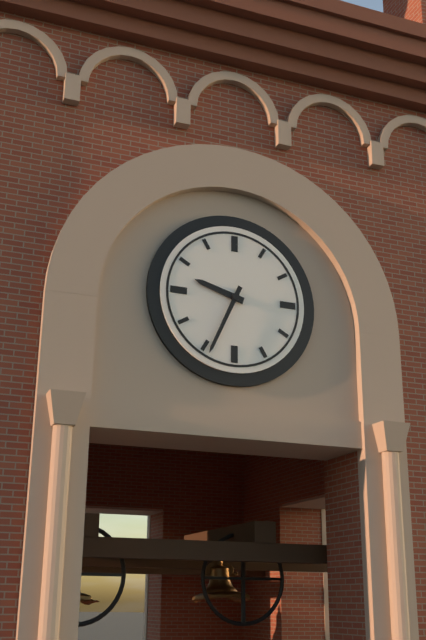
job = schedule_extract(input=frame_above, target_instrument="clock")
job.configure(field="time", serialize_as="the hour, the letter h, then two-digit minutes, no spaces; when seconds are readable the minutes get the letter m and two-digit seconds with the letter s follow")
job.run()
9h34
